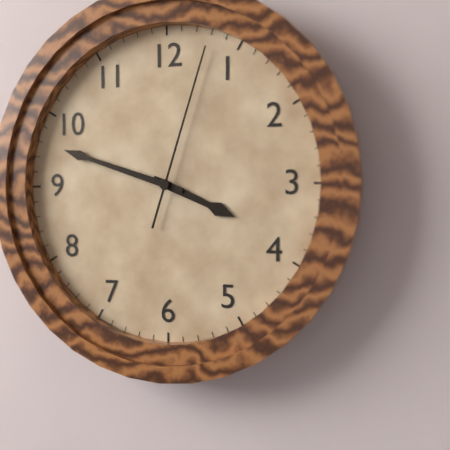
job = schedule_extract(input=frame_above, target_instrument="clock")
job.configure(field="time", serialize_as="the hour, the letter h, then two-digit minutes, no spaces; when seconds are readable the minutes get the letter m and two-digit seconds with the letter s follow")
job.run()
3h48m03s
